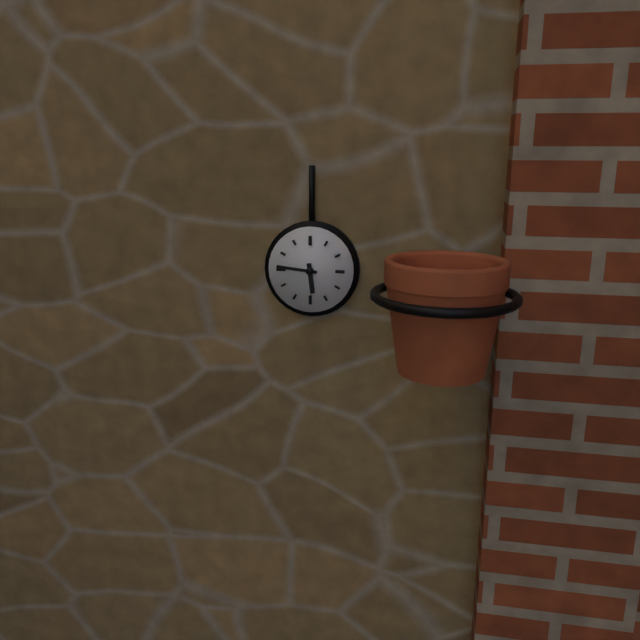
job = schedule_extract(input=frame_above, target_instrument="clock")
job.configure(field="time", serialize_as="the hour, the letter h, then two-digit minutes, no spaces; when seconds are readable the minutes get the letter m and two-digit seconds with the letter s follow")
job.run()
5h46
